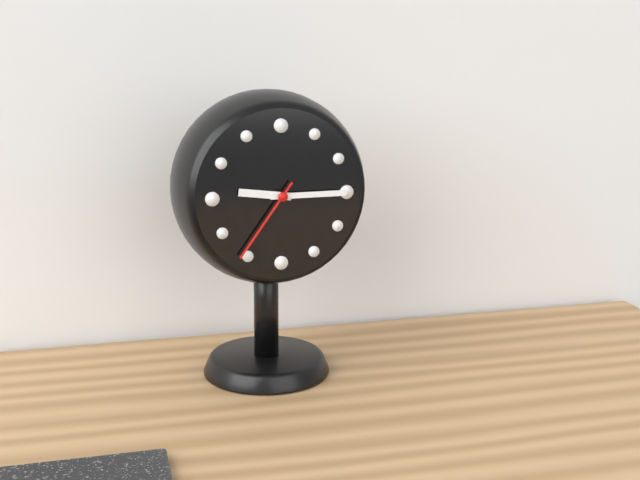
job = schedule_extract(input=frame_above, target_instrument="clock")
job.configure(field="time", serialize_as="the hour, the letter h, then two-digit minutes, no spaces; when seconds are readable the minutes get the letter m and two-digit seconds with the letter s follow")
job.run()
9h15m36s
